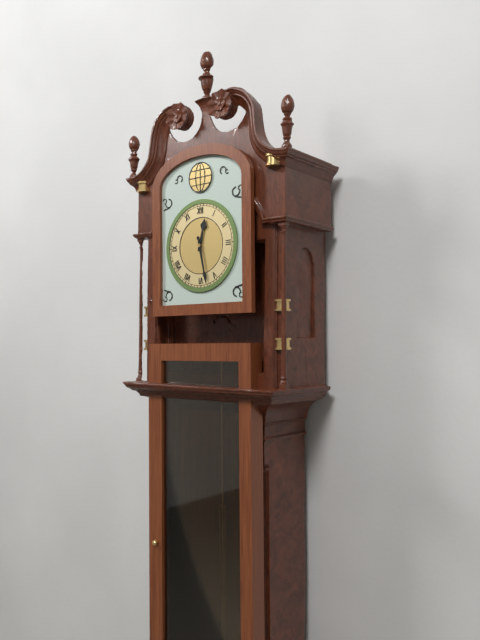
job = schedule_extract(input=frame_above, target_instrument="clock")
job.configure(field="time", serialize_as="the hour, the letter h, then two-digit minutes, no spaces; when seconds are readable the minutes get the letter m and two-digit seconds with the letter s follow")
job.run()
12h28
